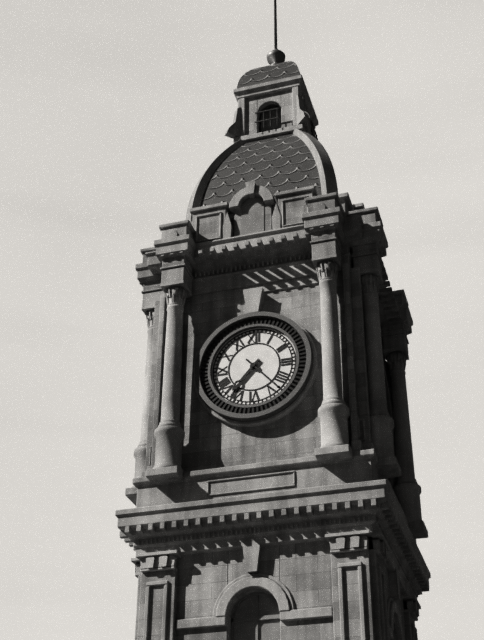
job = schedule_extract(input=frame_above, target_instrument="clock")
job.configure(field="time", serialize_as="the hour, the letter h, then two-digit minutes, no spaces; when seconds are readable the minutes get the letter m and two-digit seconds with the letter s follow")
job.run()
7h23
